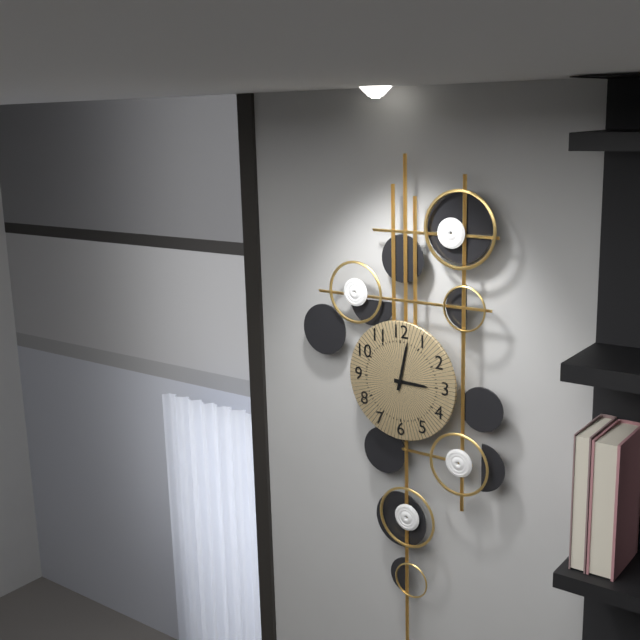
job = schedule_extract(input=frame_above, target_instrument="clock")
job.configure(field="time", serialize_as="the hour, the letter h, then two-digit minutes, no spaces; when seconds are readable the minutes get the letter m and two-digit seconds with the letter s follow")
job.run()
3h02
